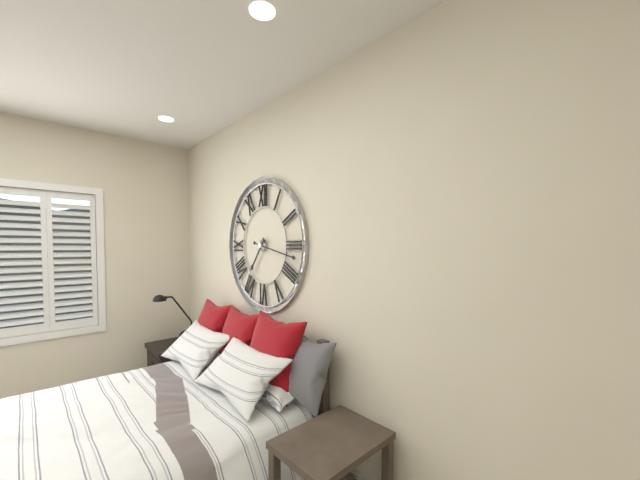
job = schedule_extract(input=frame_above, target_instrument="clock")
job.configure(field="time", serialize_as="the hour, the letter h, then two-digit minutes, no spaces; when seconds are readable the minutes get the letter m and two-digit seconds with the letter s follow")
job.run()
7h17
